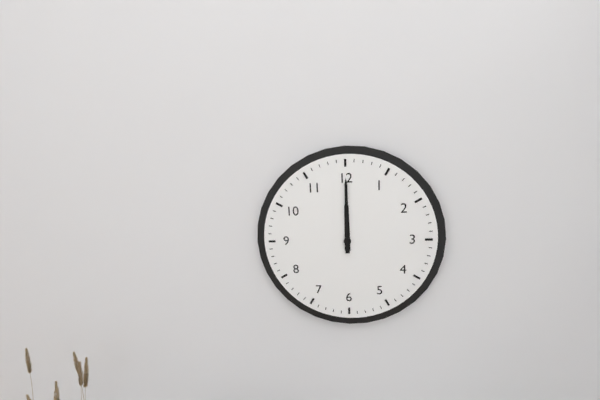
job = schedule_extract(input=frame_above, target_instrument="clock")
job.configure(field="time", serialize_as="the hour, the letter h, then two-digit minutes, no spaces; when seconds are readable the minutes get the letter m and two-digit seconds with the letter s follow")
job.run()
12h00
